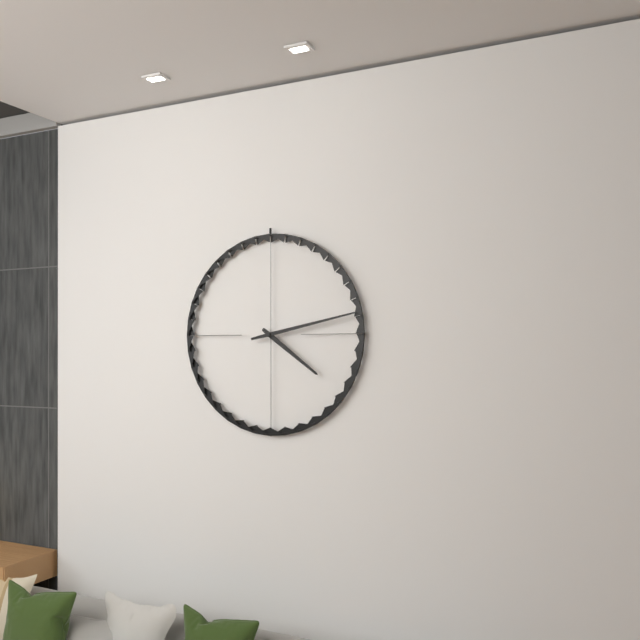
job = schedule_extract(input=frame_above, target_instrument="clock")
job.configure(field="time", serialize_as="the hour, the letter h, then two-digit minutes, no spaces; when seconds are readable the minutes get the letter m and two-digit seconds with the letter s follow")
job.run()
4h13
